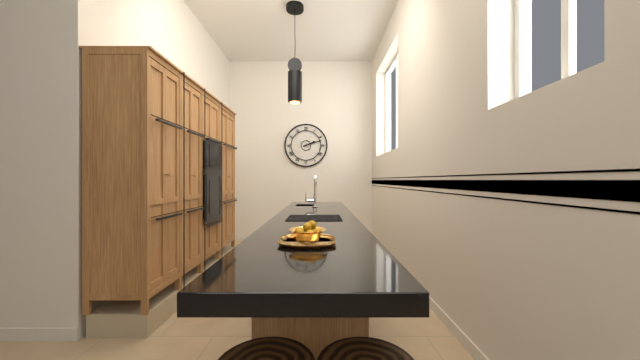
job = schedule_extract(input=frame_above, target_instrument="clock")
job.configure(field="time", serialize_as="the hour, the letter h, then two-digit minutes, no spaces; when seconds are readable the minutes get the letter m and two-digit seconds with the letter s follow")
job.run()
2h12
